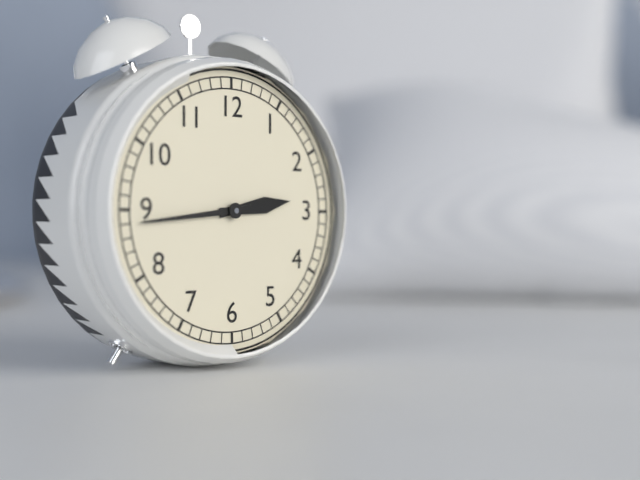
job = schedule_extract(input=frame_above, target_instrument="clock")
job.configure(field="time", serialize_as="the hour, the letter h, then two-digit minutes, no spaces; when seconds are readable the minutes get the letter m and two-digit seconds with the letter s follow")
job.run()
2h44
